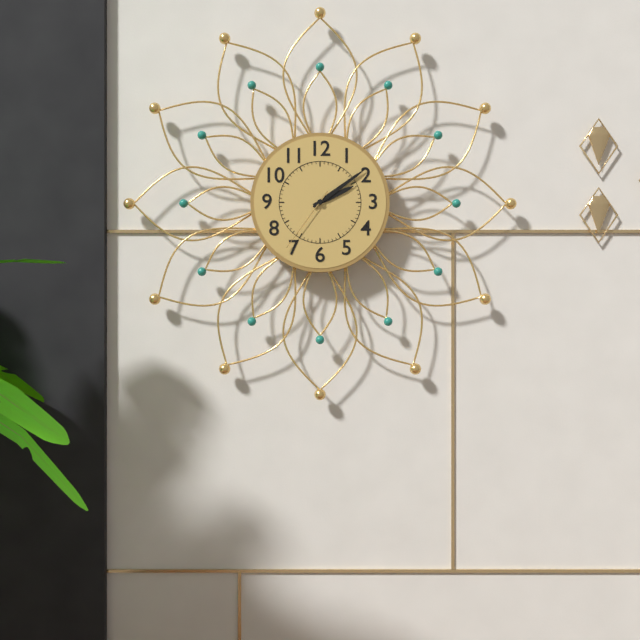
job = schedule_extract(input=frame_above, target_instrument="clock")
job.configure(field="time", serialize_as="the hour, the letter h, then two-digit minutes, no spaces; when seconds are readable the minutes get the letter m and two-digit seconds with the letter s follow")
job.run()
2h09m36s
